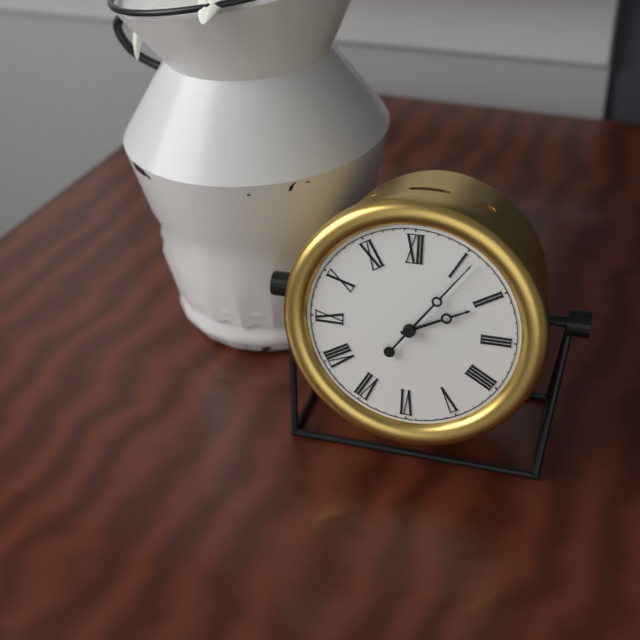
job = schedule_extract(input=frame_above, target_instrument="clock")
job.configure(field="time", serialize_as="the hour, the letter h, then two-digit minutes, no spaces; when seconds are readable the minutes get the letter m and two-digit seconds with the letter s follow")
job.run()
2h06
